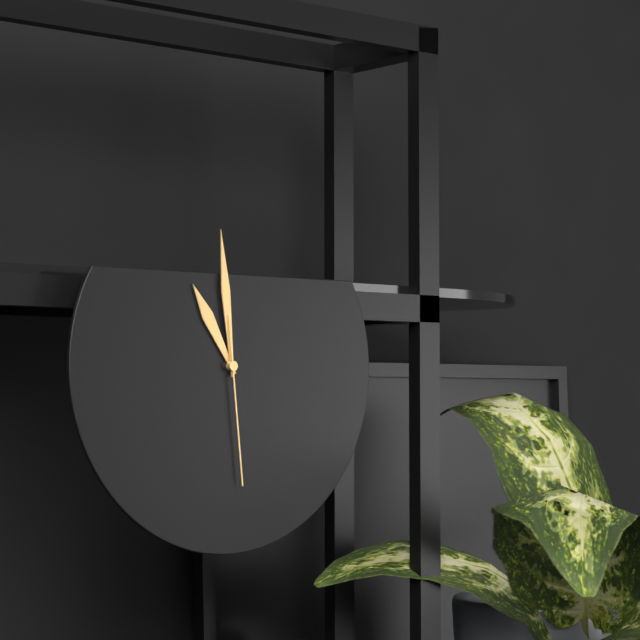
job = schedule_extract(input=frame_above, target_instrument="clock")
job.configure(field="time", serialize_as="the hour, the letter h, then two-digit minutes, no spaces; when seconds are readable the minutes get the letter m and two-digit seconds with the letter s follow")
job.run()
10h59m29s
